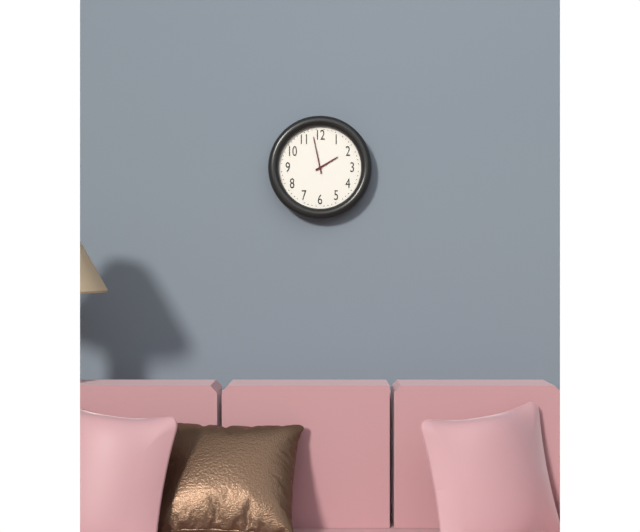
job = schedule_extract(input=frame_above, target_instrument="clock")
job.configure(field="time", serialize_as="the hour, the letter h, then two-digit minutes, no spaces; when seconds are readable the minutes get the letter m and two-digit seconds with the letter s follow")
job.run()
1h58
